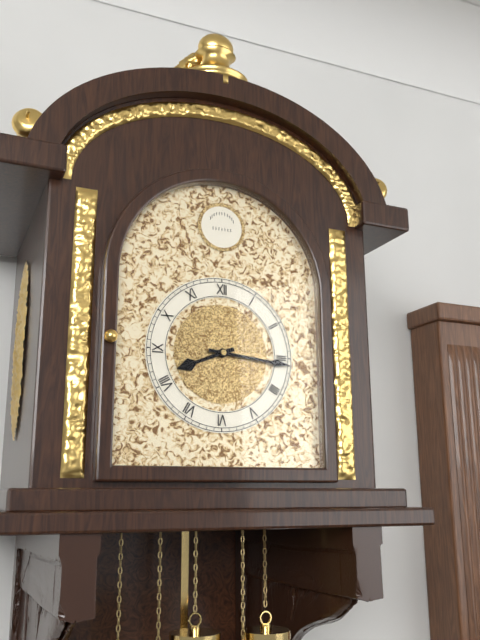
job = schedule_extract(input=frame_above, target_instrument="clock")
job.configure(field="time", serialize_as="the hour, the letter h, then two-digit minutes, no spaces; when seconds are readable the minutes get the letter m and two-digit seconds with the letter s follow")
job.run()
8h16
